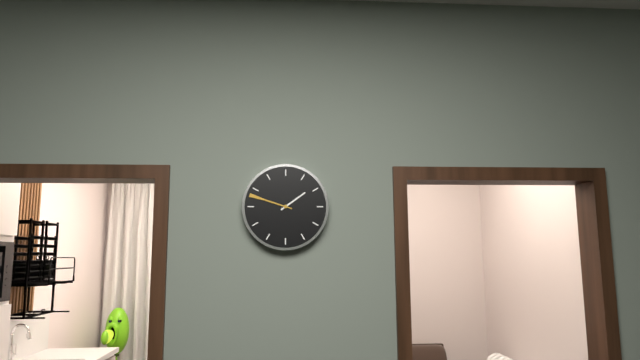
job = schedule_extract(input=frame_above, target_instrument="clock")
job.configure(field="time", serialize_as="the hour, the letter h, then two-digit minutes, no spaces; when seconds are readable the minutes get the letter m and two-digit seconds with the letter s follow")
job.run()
1h48
